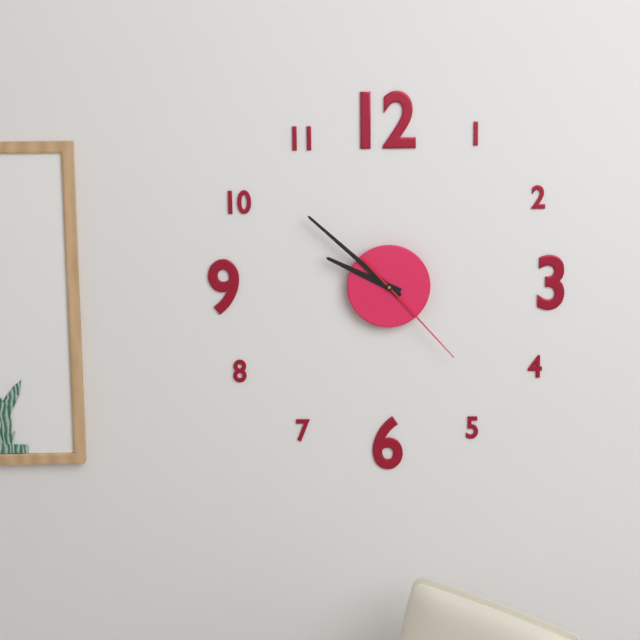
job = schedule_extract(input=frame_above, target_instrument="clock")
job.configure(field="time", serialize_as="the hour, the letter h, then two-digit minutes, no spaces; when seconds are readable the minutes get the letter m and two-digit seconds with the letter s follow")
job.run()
9h52m23s
